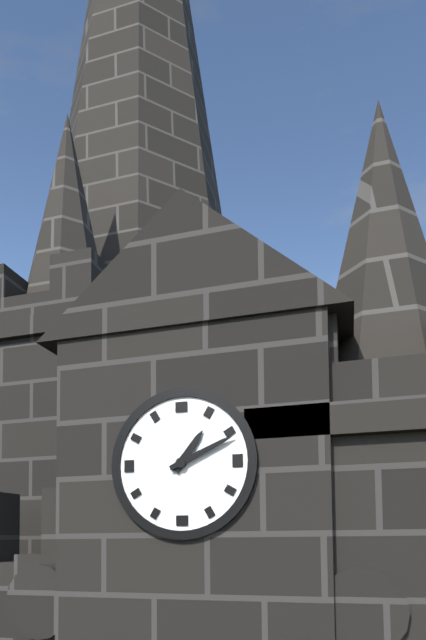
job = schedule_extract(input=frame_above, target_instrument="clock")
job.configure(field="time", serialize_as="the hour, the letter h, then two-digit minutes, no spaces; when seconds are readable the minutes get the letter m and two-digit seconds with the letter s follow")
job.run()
1h11
